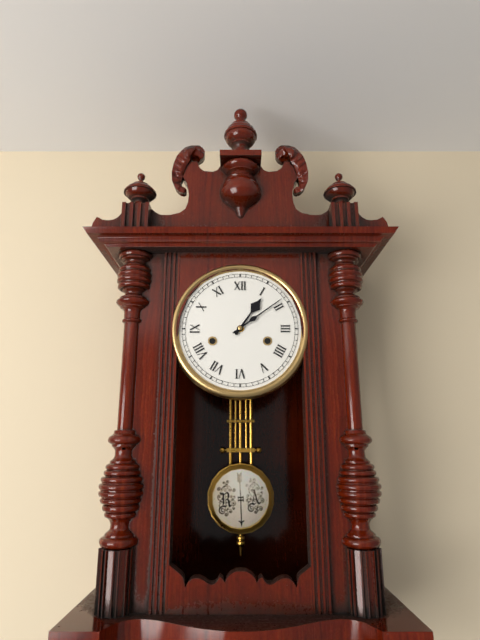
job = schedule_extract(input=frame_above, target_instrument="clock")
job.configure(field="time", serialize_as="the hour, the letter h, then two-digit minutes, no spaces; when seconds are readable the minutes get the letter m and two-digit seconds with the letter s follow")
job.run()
1h09
